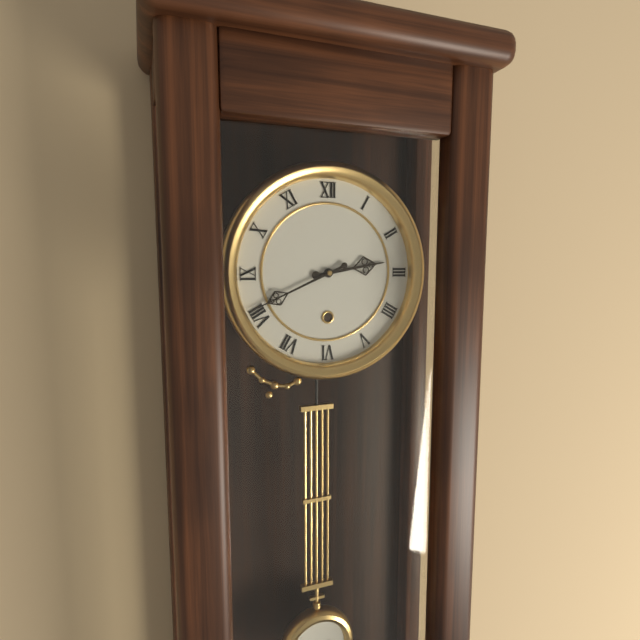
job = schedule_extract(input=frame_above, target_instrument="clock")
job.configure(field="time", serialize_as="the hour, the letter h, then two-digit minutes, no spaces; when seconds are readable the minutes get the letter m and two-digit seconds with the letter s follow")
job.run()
2h41
